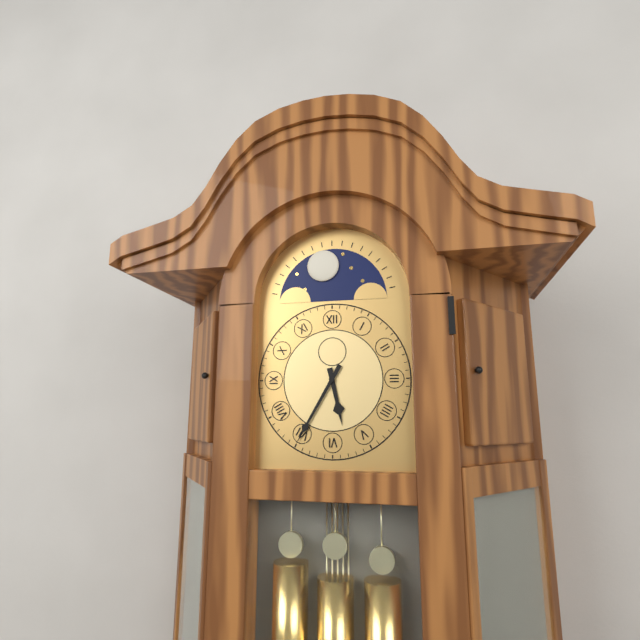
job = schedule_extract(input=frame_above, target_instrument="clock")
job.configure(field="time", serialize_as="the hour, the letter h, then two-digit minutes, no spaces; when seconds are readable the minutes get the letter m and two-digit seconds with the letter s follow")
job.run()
5h35
